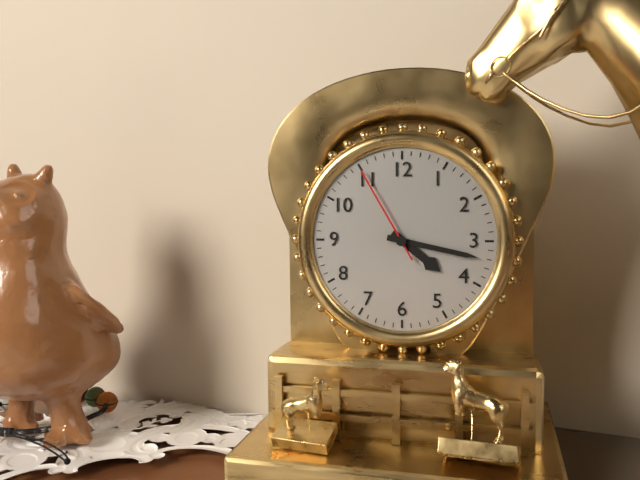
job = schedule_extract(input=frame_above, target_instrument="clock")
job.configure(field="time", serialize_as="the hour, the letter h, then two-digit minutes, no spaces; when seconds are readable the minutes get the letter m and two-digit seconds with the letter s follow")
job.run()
4h17m55s
